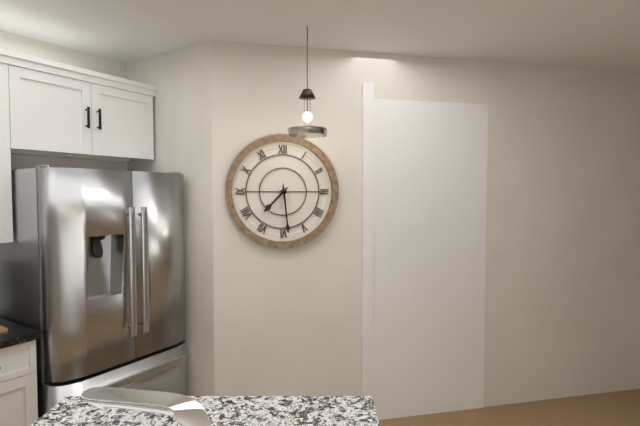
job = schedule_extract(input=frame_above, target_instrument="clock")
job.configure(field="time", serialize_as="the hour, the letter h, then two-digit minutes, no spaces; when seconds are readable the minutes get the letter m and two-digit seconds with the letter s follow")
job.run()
7h29
